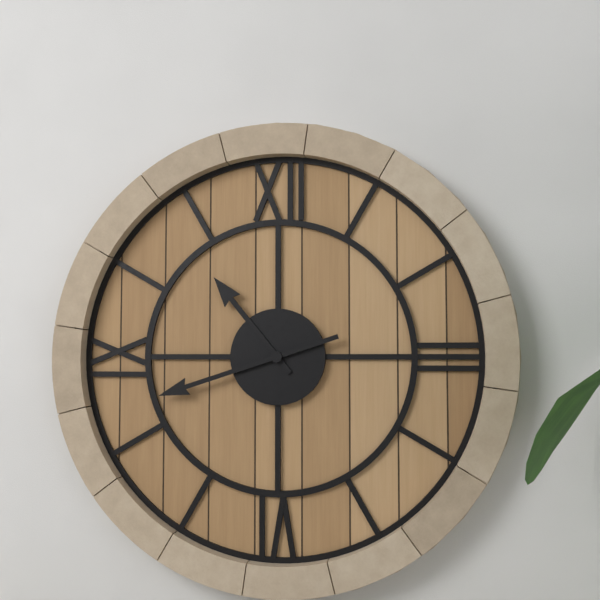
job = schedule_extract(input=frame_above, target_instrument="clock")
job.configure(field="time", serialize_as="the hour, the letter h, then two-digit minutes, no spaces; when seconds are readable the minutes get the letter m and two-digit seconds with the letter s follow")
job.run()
10h42
